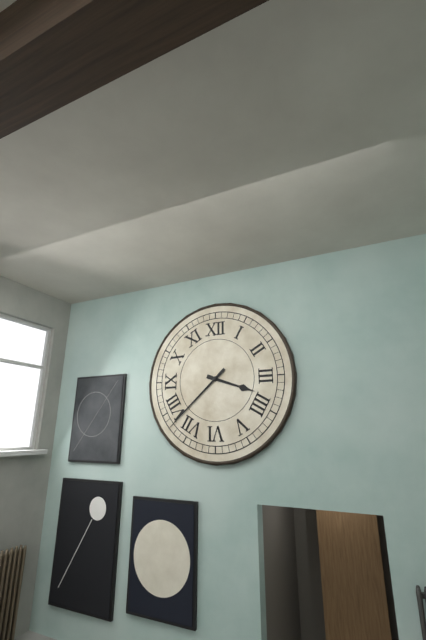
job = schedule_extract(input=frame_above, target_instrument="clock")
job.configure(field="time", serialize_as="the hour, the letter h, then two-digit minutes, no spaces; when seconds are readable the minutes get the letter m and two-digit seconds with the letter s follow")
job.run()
3h38
